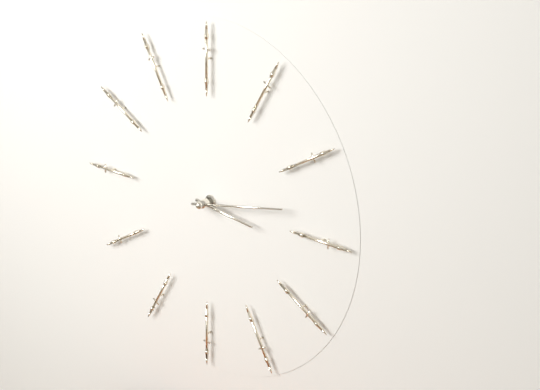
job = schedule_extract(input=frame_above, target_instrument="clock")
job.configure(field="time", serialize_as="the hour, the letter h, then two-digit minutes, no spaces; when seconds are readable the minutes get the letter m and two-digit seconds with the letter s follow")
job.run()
3h13
